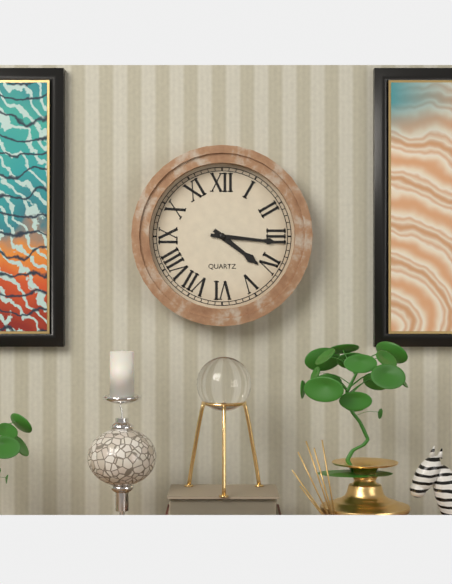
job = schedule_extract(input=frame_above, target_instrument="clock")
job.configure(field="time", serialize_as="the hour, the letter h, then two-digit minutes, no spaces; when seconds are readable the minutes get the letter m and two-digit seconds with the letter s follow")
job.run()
4h16
